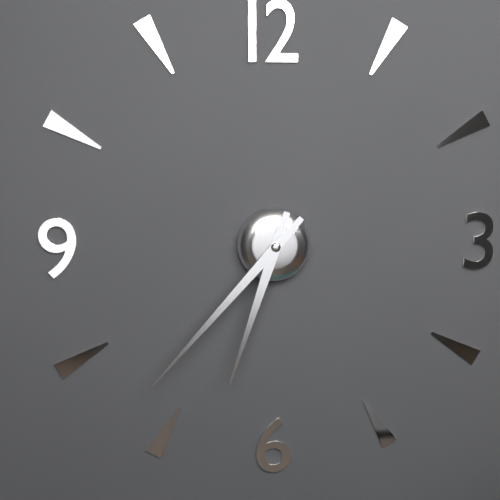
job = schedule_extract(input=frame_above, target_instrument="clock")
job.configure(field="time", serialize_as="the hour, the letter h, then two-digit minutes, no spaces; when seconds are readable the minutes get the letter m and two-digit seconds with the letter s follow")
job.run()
6h37
